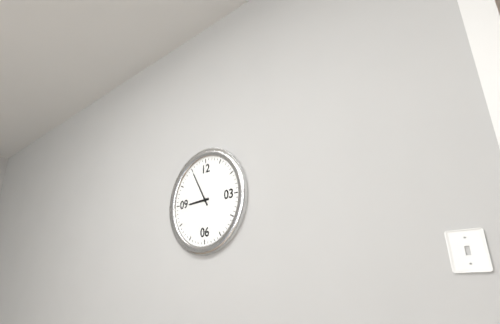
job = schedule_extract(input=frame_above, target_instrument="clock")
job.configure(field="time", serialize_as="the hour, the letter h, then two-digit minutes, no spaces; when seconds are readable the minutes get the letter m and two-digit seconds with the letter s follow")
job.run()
8h55
